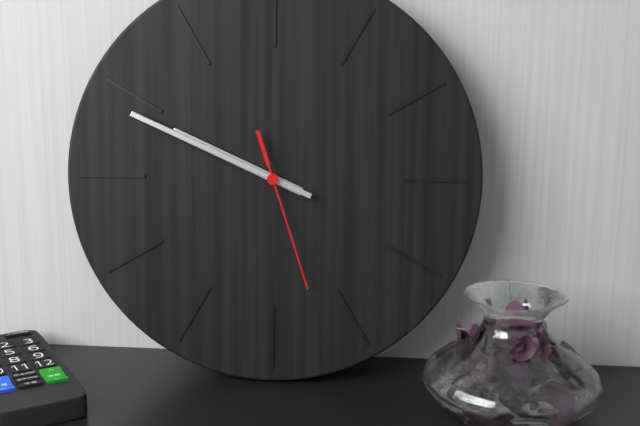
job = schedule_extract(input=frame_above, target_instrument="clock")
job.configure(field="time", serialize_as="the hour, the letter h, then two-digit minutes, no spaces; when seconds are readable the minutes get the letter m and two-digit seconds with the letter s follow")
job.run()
9h49m27s
